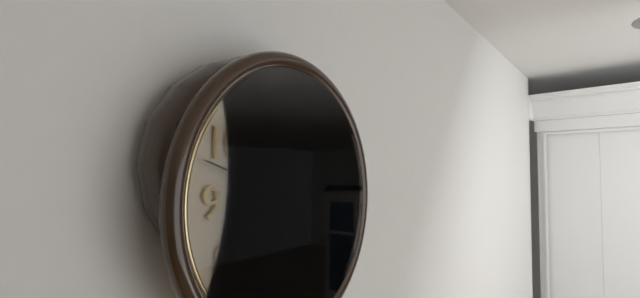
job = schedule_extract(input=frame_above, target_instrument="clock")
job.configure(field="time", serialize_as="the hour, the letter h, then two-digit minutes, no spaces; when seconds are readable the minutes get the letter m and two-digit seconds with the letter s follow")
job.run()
5h53m48s
